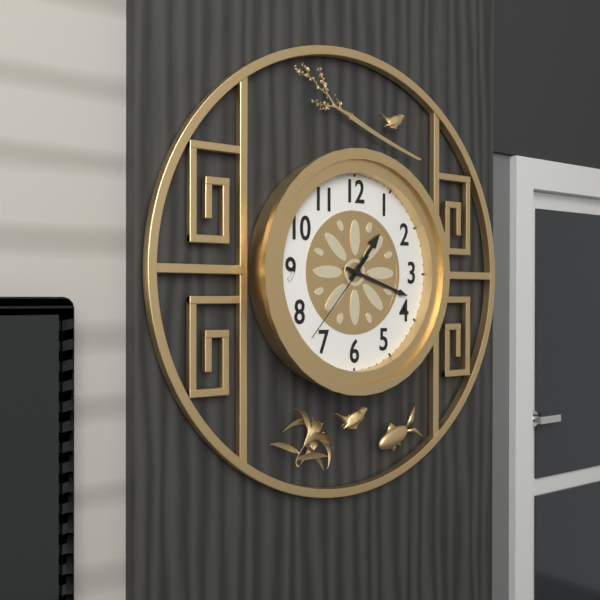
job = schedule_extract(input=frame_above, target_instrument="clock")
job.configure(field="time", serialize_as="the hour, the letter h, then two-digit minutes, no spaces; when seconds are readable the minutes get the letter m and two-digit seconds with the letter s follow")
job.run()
1h18m37s
